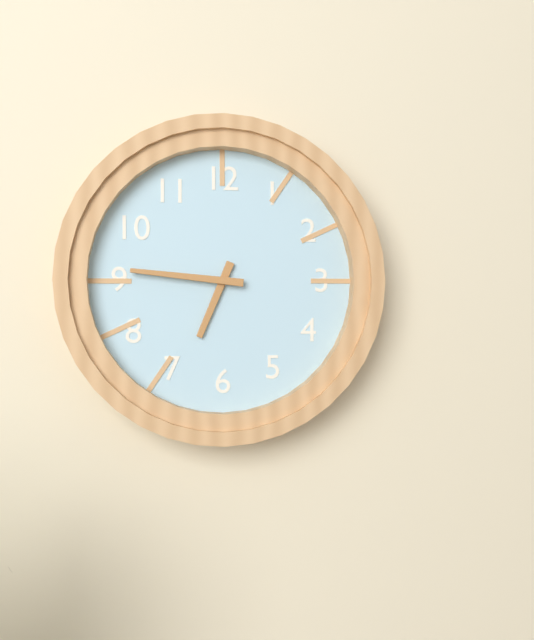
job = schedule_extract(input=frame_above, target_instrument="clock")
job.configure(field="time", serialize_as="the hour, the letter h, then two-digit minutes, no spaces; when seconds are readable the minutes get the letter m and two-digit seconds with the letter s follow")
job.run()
6h46
